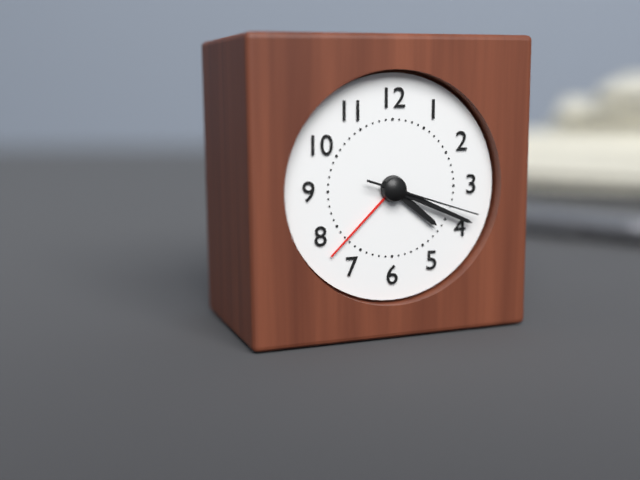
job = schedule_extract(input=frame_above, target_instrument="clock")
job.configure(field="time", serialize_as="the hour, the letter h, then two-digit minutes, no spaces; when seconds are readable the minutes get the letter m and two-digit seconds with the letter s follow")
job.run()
4h19m18s
